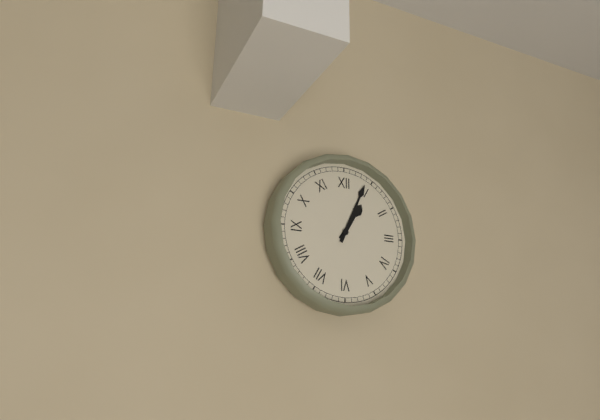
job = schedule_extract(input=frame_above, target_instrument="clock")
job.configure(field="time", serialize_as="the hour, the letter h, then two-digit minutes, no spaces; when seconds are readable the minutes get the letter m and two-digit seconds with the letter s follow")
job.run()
1h04
